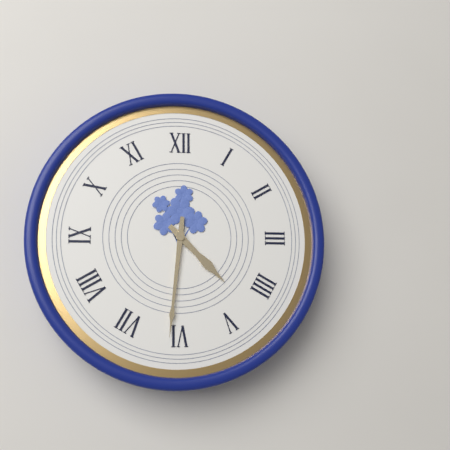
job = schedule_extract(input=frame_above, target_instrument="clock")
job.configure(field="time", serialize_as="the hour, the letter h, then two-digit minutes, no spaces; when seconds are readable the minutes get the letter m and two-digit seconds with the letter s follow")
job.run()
4h31
